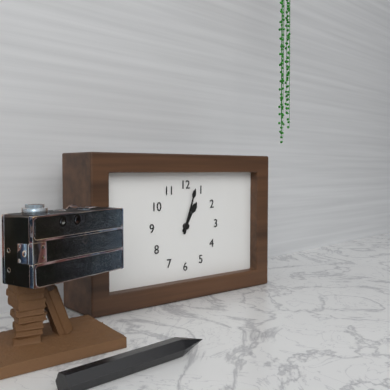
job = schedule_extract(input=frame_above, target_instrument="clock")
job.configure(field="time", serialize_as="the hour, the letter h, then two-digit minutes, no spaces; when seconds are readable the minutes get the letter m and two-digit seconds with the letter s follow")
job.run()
1h03
